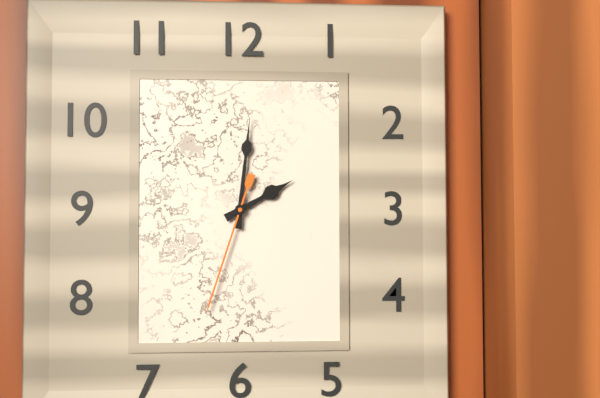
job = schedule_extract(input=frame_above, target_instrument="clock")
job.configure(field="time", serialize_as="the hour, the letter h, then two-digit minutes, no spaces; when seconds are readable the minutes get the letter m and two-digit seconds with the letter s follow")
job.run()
2h01m33s
